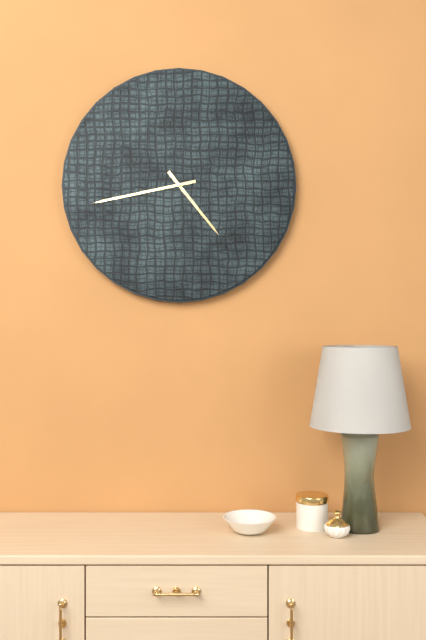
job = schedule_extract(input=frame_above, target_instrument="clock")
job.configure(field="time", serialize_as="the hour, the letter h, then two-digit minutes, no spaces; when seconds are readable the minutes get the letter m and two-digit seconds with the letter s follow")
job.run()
4h43
